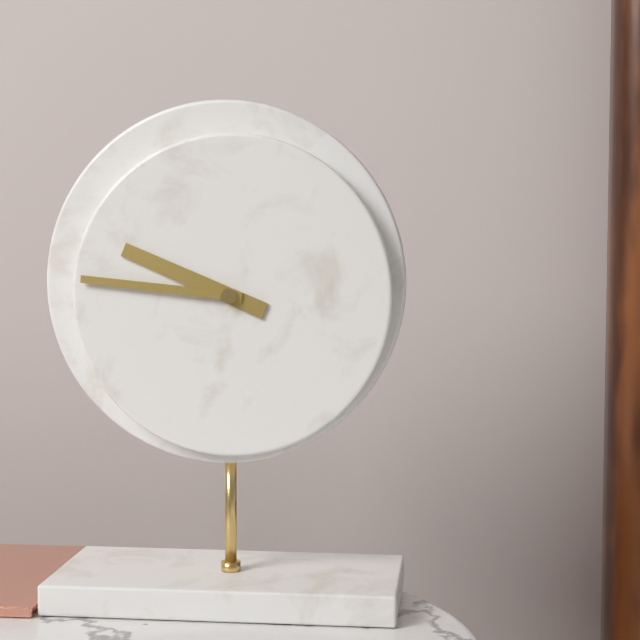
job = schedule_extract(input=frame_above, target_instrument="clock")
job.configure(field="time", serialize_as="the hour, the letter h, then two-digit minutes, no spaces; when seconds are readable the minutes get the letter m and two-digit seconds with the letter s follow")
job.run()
9h46
